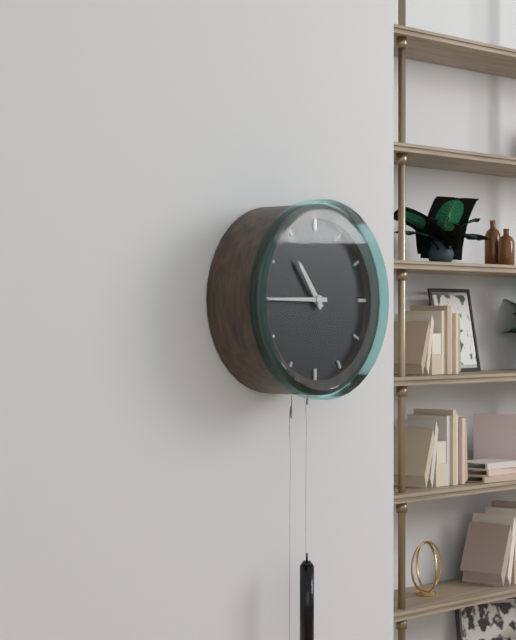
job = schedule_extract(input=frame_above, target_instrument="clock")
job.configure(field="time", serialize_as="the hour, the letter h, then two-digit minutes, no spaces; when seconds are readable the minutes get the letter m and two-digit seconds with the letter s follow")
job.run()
10h45
